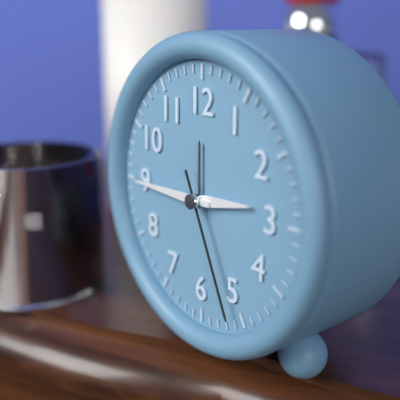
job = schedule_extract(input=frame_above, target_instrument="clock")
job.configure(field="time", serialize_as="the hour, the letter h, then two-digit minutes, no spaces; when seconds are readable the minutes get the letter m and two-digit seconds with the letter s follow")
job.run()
2h45m26s
